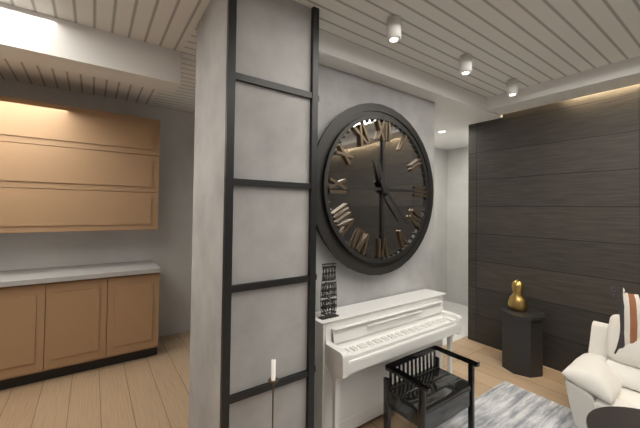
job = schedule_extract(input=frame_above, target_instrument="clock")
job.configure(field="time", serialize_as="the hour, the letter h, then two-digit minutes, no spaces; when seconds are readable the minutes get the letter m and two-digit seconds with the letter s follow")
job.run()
11h23
